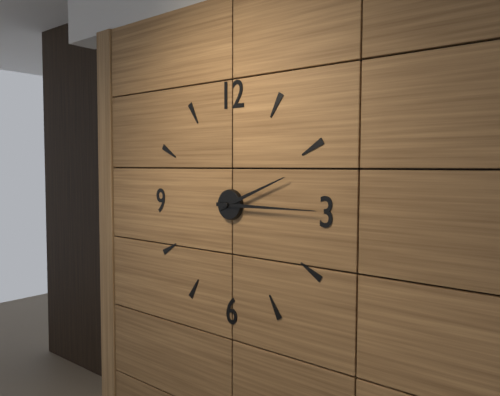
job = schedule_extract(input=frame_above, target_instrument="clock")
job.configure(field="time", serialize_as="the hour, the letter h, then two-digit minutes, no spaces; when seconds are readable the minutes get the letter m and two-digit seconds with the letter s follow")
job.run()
2h15
